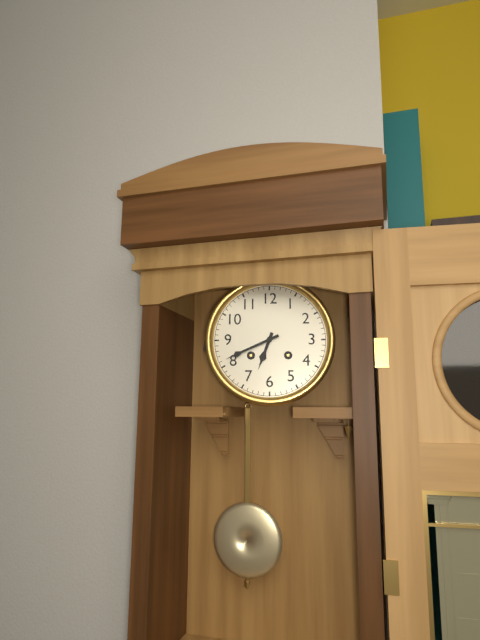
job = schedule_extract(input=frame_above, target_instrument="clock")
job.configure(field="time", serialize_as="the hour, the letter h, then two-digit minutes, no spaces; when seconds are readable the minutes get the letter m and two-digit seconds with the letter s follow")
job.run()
6h41
